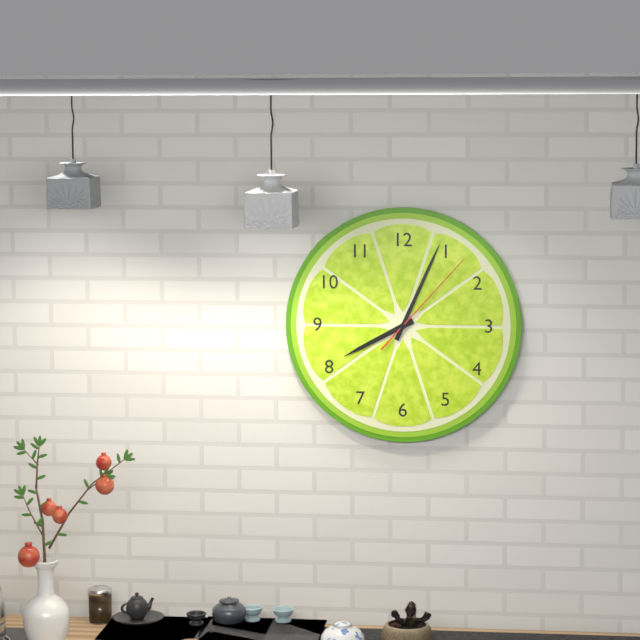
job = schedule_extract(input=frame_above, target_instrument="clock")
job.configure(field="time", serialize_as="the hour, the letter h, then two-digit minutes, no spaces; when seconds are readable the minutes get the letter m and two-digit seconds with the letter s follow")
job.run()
8h04m07s
